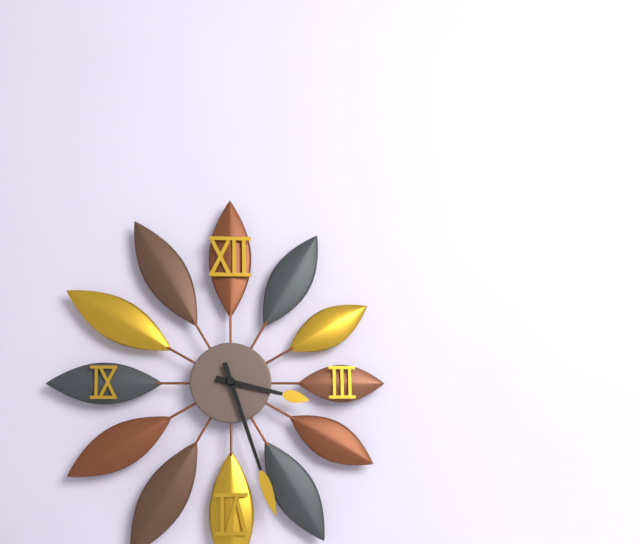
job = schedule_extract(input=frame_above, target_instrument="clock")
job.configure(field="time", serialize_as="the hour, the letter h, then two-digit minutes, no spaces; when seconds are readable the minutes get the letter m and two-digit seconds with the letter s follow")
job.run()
3h27
